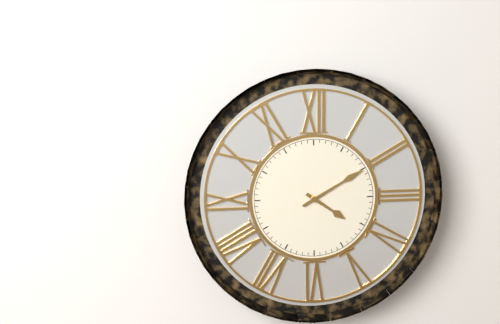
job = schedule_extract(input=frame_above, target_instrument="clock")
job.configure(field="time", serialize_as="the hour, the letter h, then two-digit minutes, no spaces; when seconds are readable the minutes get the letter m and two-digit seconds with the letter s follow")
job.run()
4h10
